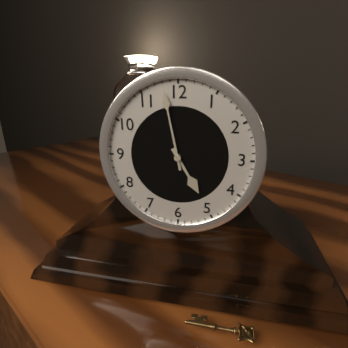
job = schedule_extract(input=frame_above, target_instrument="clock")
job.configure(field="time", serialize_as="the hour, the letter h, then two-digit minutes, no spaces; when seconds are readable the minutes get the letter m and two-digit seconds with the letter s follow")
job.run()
4h58
